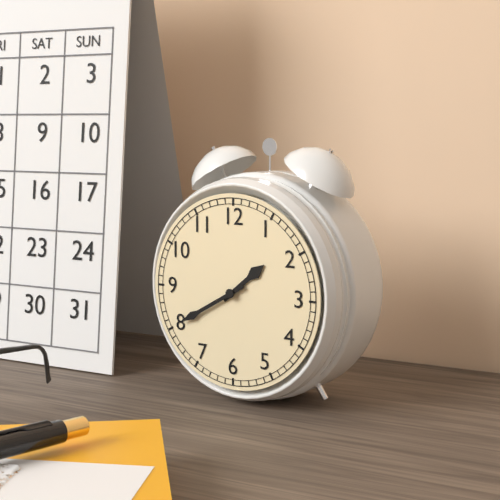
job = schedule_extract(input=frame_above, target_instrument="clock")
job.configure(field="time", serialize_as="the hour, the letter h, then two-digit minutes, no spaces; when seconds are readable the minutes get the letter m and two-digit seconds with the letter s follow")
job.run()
1h40
